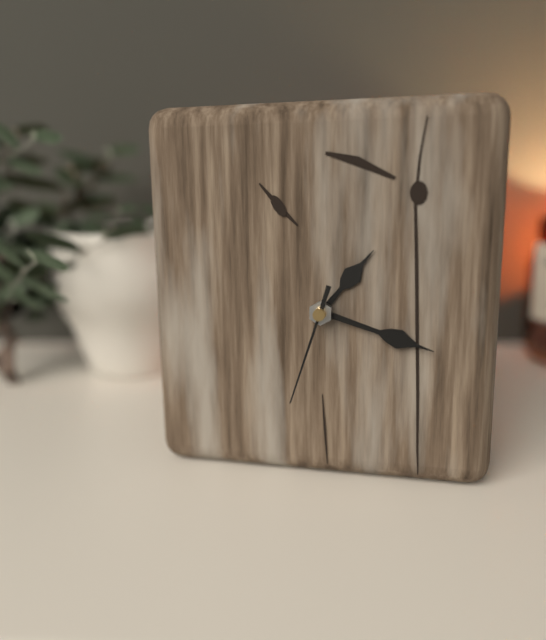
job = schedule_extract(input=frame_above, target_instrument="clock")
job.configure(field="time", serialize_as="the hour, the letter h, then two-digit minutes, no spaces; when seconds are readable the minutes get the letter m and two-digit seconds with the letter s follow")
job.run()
1h18m33s
